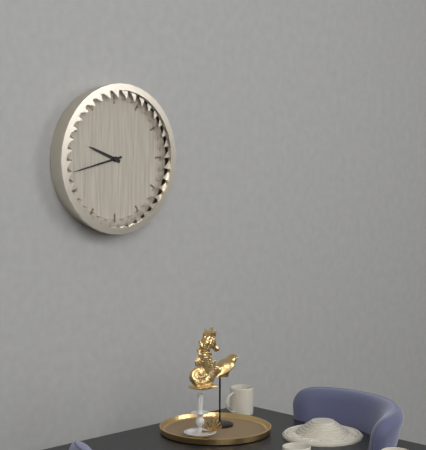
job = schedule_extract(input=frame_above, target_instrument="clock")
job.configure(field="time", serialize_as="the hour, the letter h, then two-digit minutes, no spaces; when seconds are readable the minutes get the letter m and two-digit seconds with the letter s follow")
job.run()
9h43
